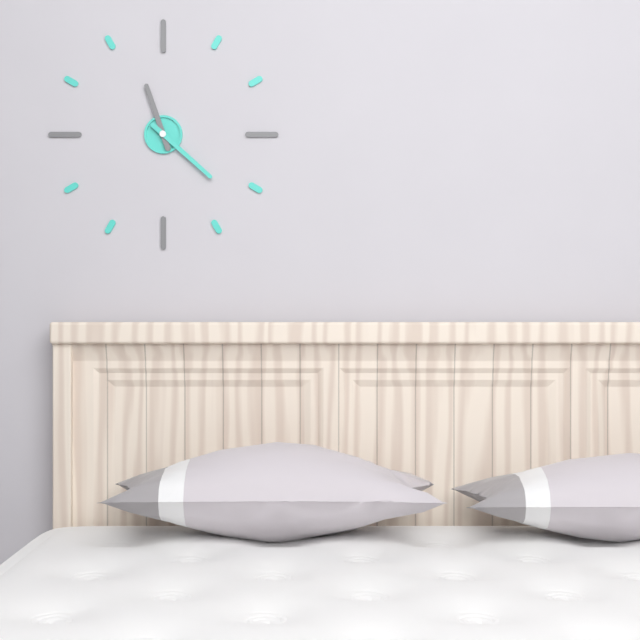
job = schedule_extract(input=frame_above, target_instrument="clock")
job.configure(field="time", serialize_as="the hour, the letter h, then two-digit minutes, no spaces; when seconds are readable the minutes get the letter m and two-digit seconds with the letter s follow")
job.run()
11h22
